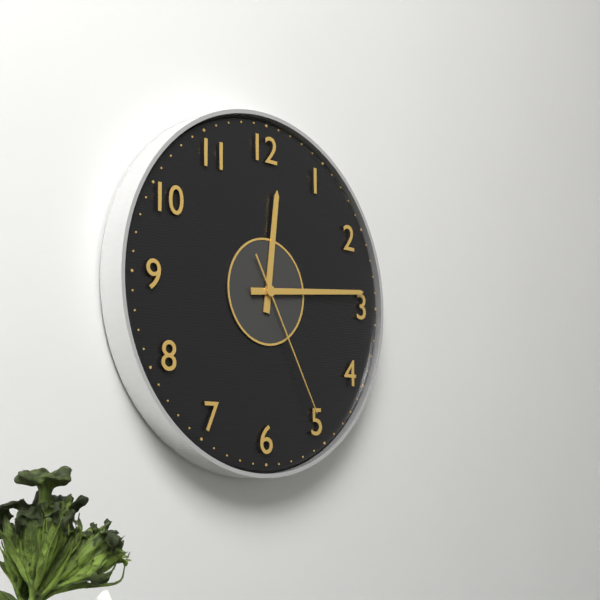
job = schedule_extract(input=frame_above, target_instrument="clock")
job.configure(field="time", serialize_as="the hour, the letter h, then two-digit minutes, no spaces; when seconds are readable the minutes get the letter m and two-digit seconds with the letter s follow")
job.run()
12h14m25s
